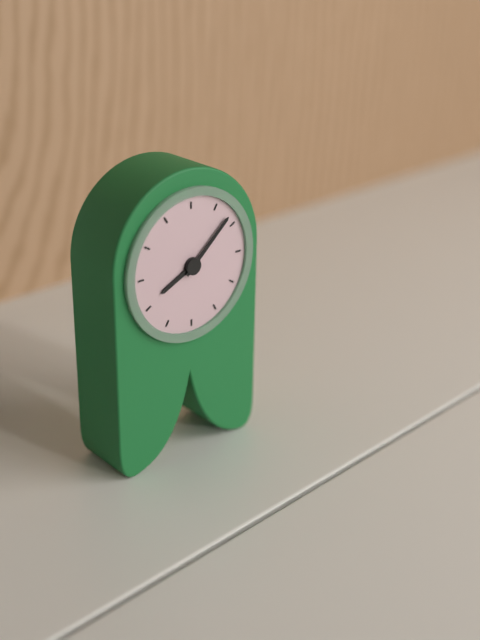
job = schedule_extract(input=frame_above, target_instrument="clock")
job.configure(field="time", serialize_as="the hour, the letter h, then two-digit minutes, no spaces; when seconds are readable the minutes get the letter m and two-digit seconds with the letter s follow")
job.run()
8h08
